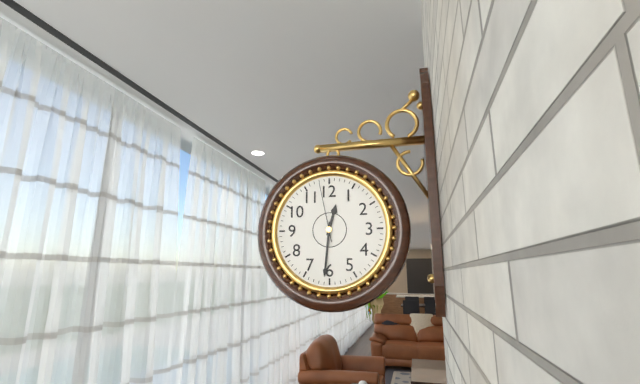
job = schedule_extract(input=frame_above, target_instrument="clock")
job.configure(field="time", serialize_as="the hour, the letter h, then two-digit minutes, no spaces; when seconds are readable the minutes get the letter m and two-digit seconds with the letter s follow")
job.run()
12h31m58s
